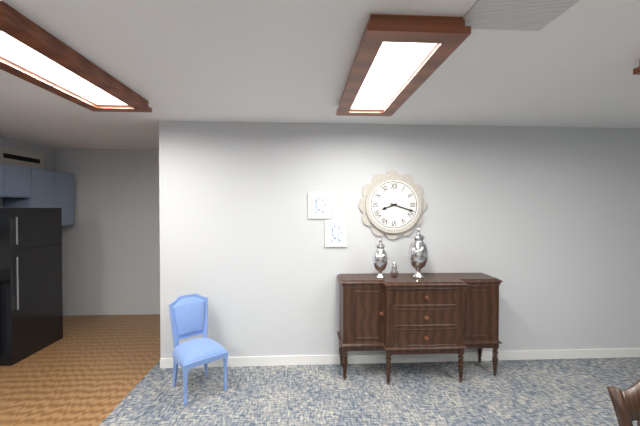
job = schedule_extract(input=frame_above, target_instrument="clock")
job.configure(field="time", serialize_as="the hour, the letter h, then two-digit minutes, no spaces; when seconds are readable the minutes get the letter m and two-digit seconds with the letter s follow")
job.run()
8h18
